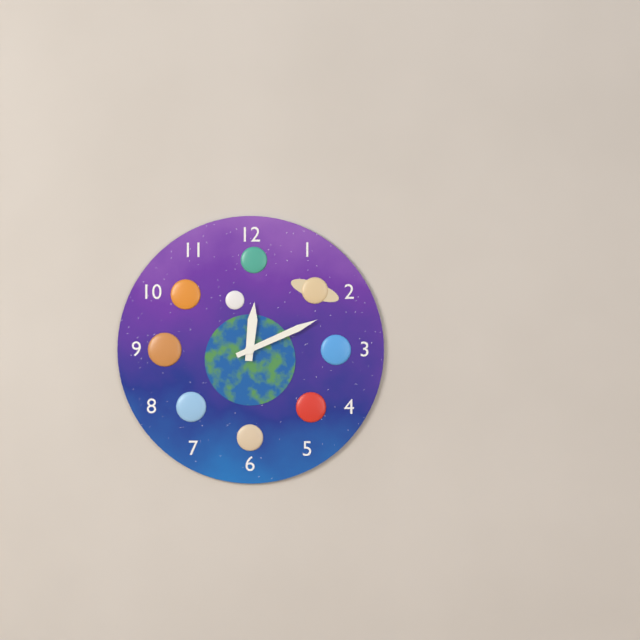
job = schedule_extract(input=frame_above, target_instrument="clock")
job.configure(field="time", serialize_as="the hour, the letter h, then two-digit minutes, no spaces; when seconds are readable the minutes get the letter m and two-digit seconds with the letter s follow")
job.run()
12h11
